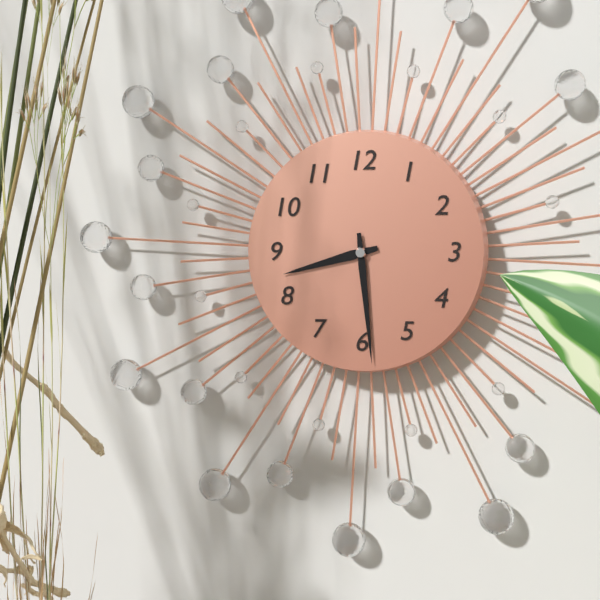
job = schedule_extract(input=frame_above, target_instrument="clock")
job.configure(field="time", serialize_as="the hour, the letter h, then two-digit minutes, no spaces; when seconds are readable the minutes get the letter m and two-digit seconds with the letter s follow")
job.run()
8h29
